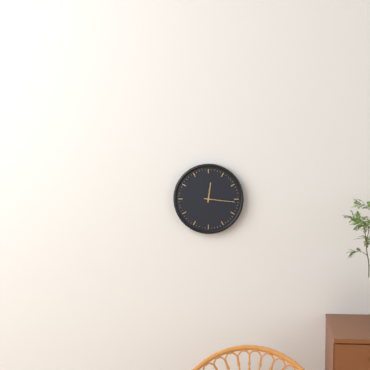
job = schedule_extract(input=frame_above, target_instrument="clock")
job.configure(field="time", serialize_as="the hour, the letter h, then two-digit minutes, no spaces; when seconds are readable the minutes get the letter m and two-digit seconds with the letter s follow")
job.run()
12h16
